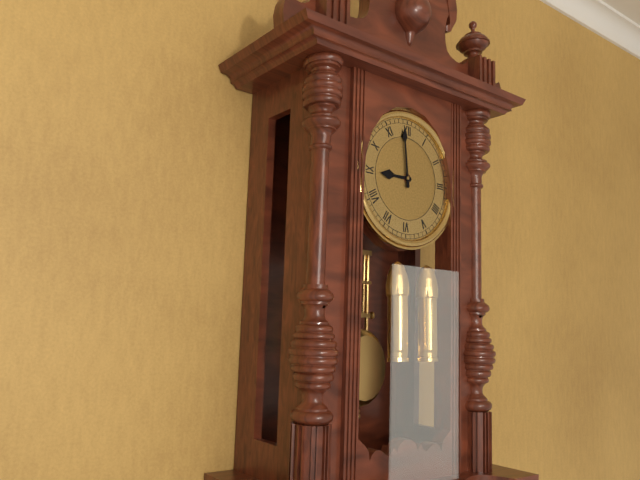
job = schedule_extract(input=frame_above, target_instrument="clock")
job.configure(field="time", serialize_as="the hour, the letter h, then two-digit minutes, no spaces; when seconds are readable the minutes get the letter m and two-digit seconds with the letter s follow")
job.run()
8h59
